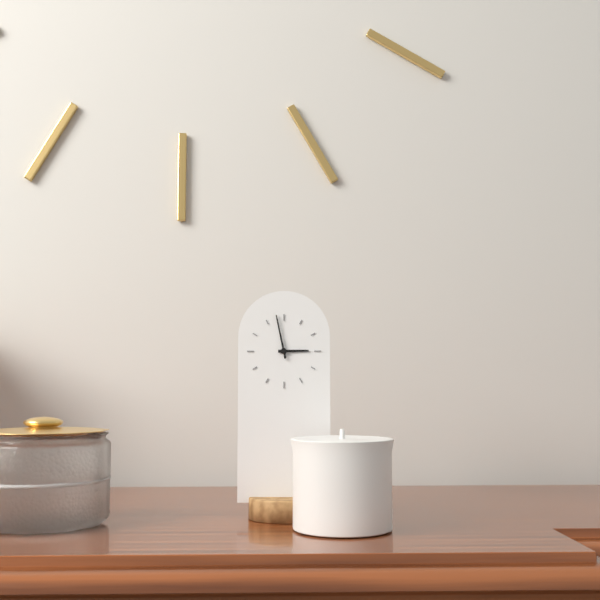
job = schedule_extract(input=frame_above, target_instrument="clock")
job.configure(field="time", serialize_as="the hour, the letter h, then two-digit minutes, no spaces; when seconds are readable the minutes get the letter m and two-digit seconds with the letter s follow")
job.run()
2h58
